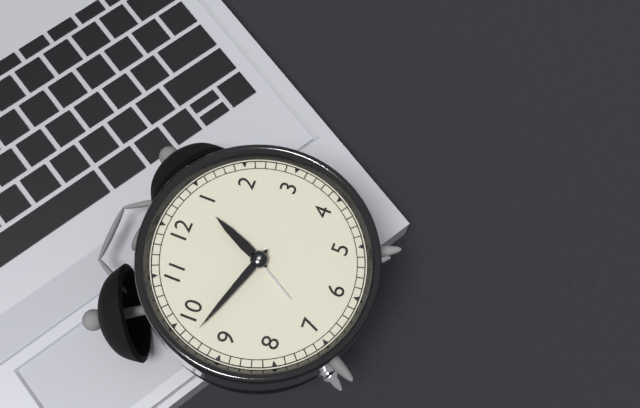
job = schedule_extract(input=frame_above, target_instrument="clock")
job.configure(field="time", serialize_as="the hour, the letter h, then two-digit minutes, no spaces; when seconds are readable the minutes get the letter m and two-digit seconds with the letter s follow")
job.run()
12h48
